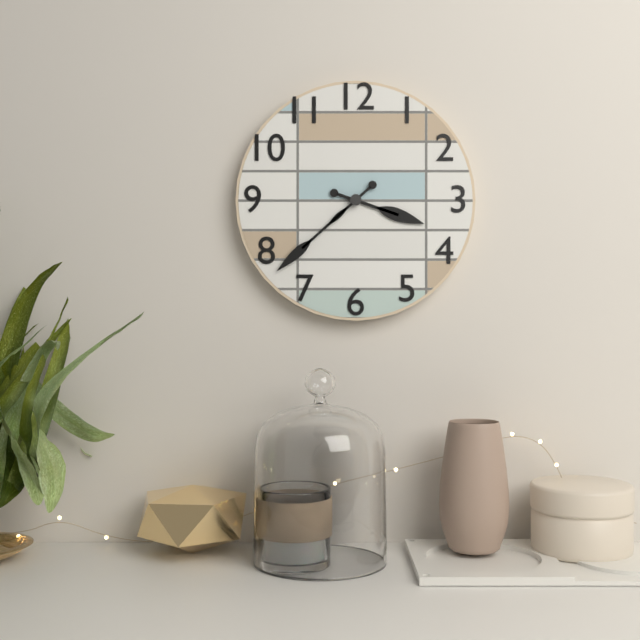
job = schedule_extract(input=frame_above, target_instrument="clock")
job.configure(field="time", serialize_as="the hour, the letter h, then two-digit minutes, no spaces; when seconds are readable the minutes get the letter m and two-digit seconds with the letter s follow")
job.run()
3h38
